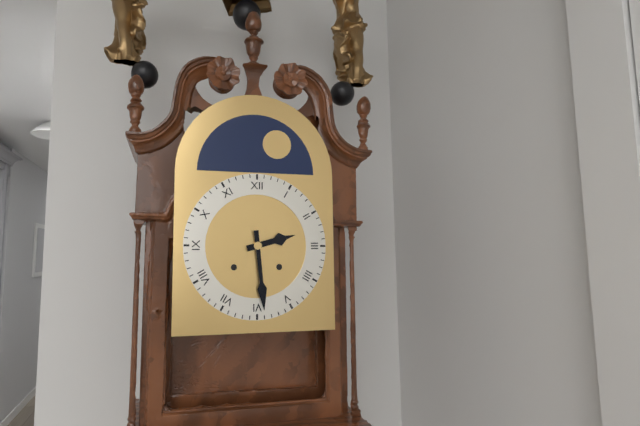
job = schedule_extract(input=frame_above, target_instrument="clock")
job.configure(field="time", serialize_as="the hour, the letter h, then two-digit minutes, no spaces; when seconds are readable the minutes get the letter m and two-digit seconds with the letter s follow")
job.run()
2h29
